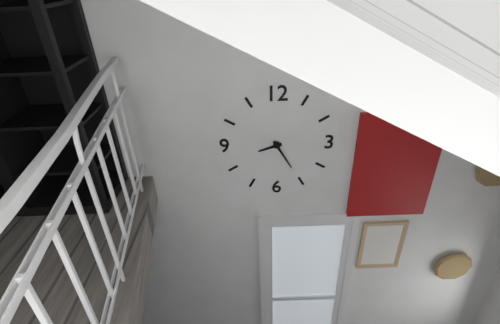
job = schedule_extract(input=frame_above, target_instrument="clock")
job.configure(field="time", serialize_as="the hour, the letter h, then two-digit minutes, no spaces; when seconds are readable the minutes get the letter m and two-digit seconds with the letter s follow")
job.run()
8h25
